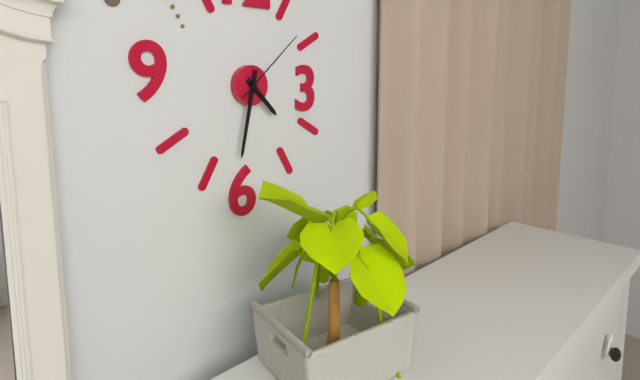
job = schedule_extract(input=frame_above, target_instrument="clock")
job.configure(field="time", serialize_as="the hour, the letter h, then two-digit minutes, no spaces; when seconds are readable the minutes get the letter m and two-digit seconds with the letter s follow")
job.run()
4h32m08s
